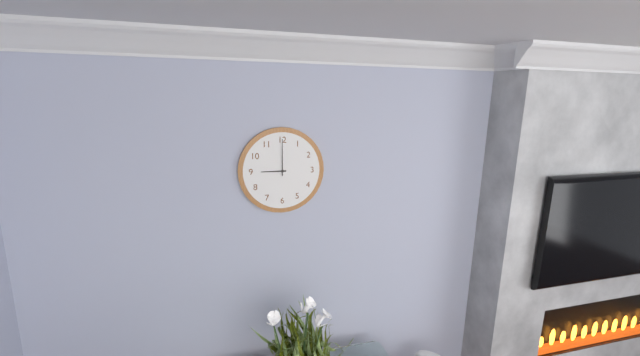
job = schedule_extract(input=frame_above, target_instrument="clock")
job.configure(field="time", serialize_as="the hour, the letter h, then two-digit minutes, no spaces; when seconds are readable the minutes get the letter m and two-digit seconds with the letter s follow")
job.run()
9h00
